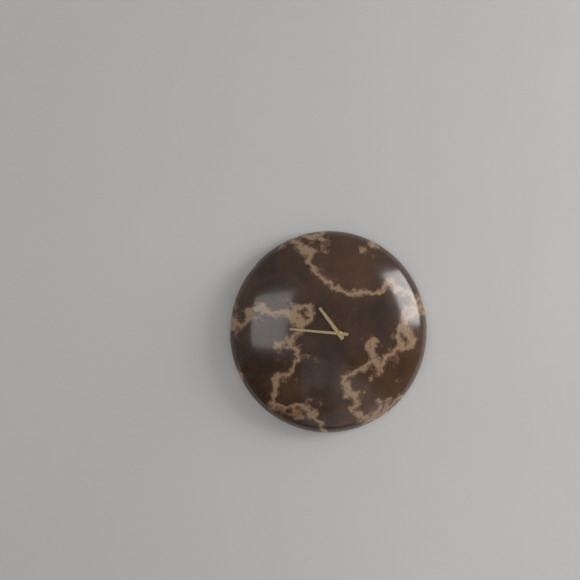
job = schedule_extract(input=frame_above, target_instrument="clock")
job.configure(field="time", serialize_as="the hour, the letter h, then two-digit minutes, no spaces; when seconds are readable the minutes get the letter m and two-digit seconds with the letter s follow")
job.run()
10h46
